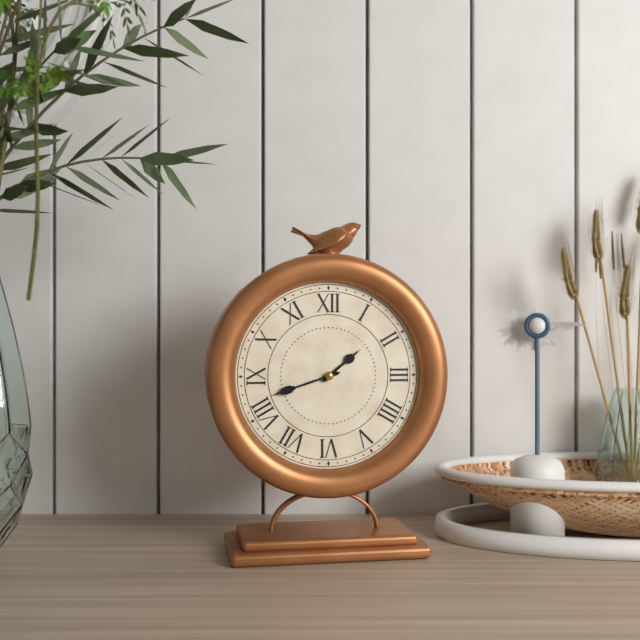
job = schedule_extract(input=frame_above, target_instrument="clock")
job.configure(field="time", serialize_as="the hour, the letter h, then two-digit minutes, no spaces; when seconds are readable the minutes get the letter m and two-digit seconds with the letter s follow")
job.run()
1h42
